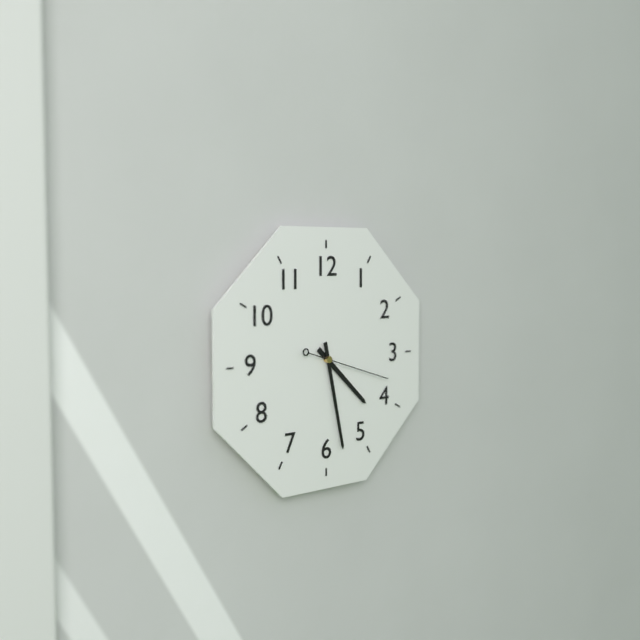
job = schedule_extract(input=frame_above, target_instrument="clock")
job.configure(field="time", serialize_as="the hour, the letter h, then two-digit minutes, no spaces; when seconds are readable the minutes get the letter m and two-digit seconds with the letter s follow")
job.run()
4h28m18s
